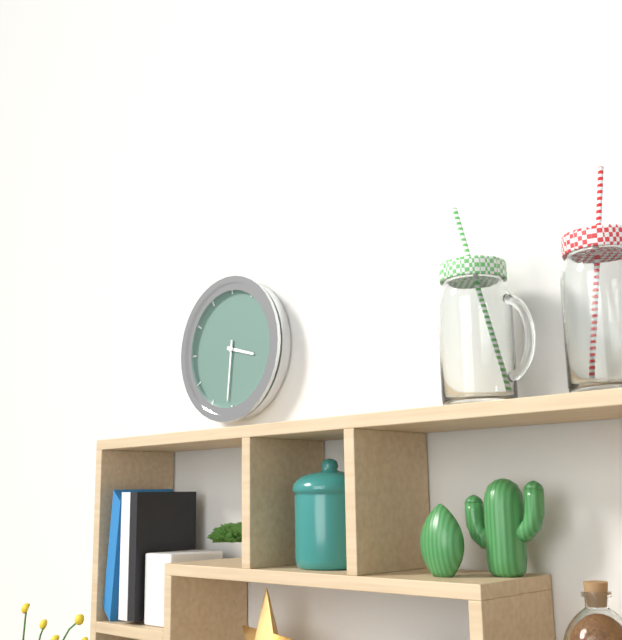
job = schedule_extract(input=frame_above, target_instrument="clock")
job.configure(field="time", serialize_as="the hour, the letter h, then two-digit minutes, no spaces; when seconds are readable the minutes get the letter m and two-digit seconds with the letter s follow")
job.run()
3h31
